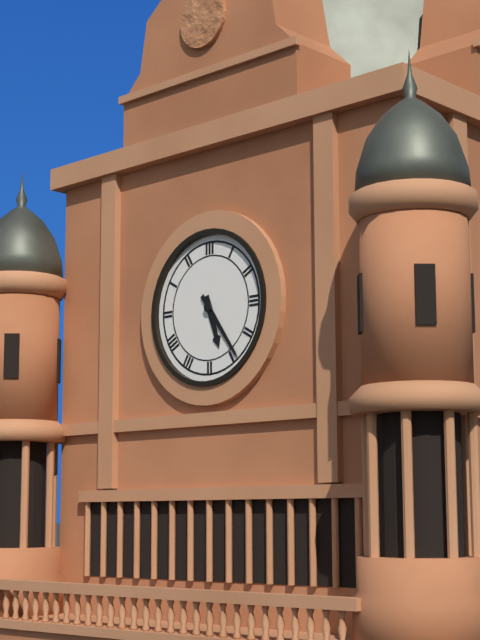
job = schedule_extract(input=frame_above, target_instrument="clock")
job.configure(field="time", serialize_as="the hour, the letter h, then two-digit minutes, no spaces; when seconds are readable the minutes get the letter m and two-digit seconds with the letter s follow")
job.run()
5h24
